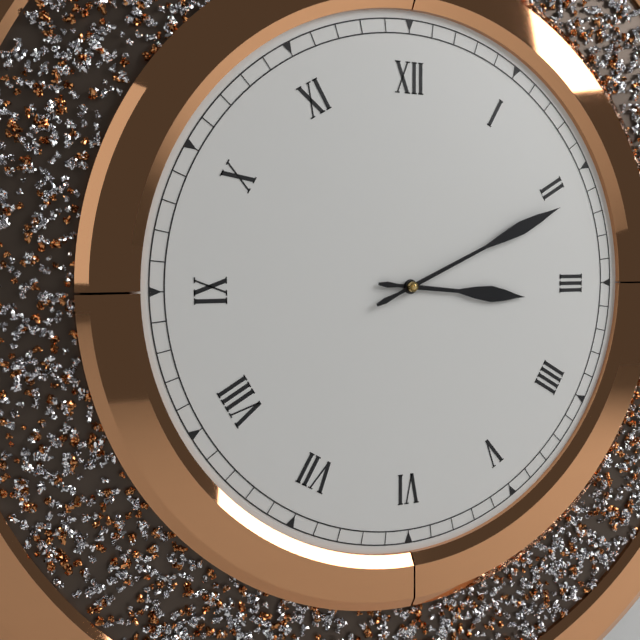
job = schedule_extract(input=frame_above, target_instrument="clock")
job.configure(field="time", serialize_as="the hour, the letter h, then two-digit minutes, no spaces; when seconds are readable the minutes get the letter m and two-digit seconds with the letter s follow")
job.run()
3h11
